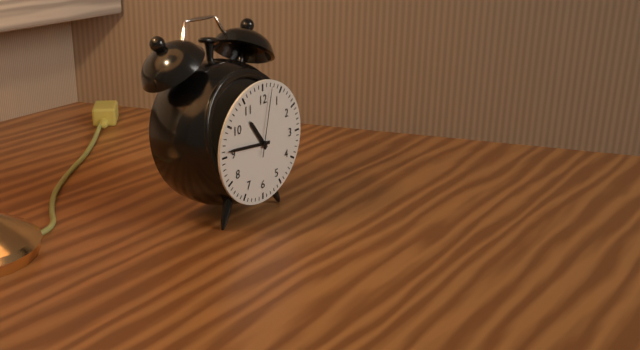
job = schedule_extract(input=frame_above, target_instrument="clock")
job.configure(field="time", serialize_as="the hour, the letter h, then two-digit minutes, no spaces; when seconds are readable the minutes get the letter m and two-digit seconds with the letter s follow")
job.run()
10h46m02s
